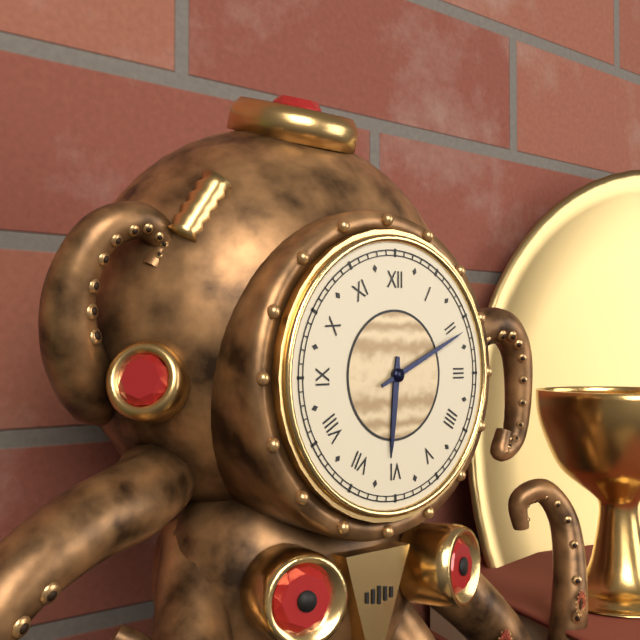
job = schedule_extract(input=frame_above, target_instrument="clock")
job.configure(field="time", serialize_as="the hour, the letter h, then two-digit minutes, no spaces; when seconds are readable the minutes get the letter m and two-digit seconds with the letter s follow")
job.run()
6h11
